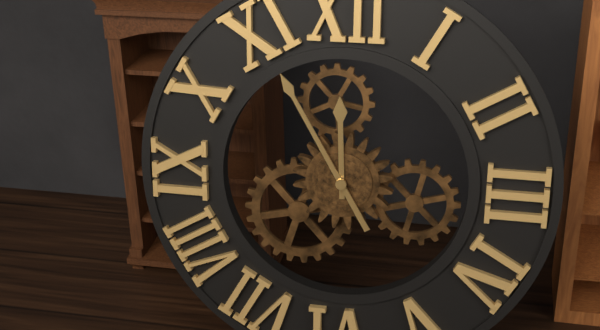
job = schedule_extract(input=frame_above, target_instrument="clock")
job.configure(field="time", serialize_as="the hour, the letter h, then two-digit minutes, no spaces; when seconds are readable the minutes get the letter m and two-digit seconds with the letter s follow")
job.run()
11h55
